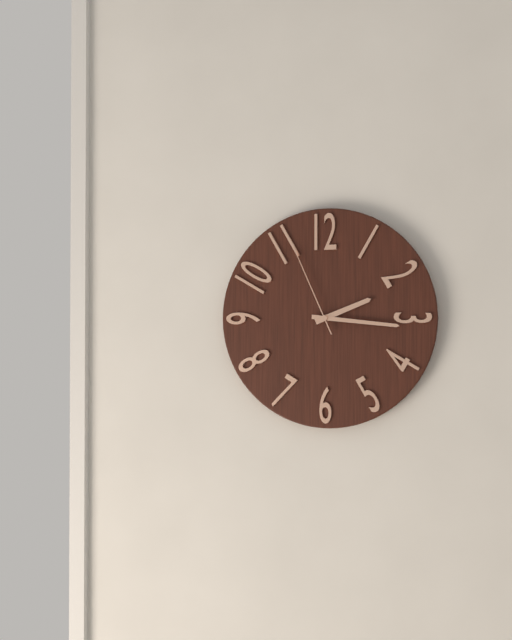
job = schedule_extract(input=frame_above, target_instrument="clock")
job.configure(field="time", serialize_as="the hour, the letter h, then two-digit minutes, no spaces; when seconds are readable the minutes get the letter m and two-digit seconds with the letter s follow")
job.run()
2h16m56s
